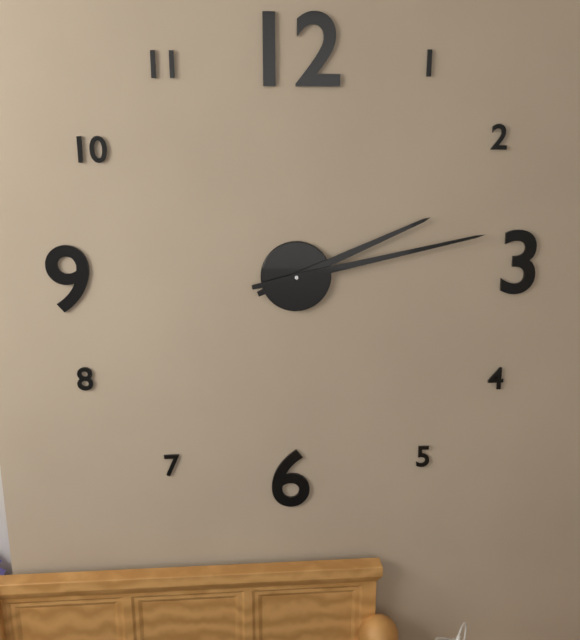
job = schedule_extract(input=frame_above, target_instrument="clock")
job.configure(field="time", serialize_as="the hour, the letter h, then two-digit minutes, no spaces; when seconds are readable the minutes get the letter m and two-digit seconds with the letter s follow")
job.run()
2h13
